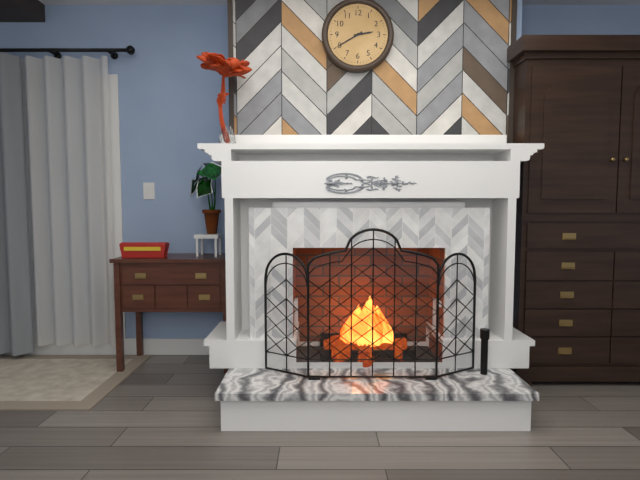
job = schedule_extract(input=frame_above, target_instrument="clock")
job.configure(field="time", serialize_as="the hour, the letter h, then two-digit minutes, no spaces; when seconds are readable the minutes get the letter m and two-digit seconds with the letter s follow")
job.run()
2h40
